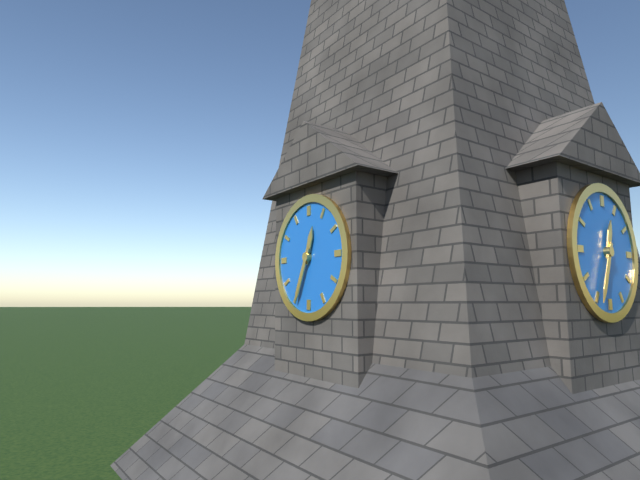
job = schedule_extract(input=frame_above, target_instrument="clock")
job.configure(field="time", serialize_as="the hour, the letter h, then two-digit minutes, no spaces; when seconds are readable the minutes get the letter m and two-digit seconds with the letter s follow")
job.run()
12h34
